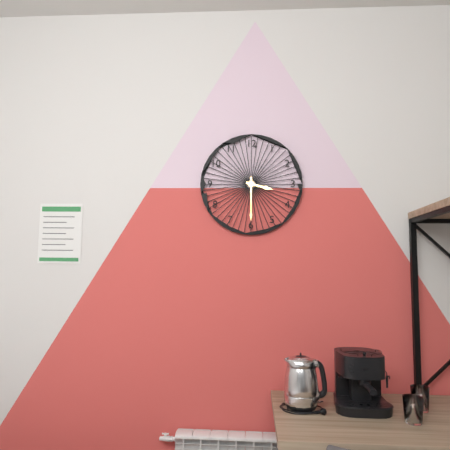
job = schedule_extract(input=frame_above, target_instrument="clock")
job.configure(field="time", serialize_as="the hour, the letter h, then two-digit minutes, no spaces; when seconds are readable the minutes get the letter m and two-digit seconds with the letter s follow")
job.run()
3h30
